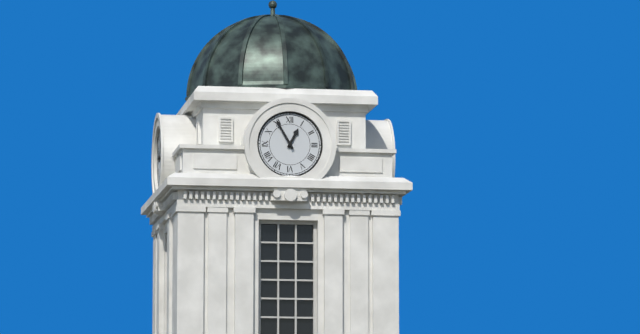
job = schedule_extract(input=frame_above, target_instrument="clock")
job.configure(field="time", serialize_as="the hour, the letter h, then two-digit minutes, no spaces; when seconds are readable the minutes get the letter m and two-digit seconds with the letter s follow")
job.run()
12h55
